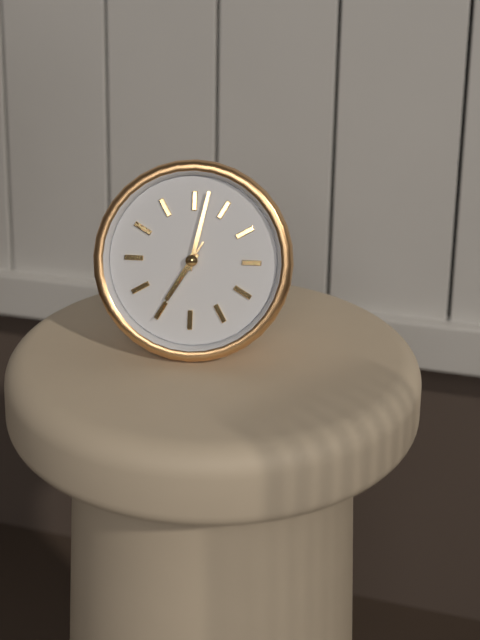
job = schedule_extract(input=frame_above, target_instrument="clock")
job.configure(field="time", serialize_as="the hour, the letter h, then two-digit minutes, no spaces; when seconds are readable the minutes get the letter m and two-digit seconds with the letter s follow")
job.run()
7h02m35s
